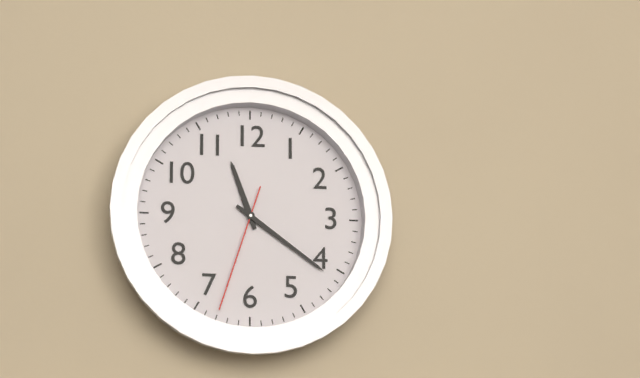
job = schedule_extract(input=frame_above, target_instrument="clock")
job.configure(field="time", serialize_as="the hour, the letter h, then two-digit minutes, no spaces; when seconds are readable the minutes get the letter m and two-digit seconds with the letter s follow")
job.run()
11h21m33s
